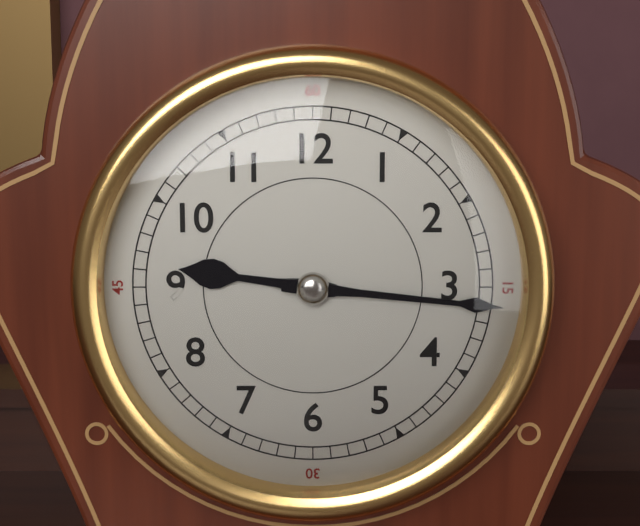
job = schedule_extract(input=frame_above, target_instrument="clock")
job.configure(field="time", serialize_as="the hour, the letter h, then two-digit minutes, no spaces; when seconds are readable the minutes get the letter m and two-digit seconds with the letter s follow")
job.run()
9h16
